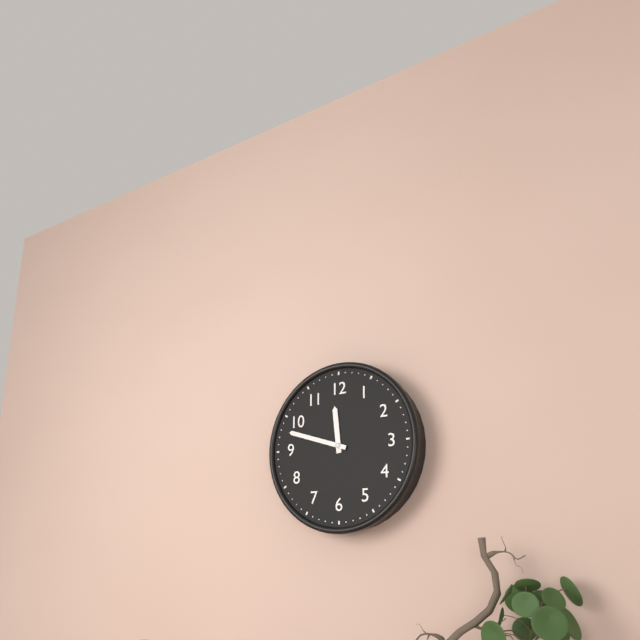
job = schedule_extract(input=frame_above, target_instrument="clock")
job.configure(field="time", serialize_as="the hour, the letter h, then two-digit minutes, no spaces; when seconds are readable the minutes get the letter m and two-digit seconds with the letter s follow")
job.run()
11h48
